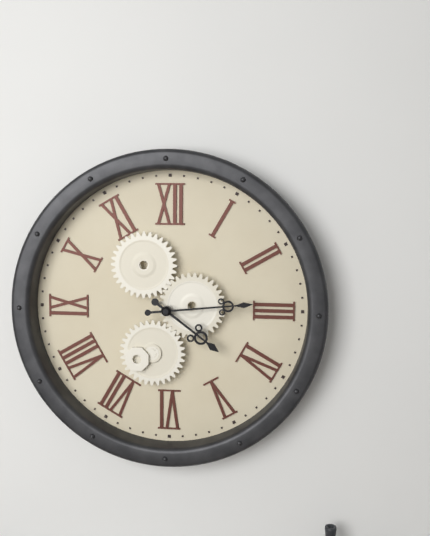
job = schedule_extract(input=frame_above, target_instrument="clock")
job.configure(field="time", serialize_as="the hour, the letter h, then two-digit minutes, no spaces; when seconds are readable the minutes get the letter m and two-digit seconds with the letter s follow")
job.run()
4h14
